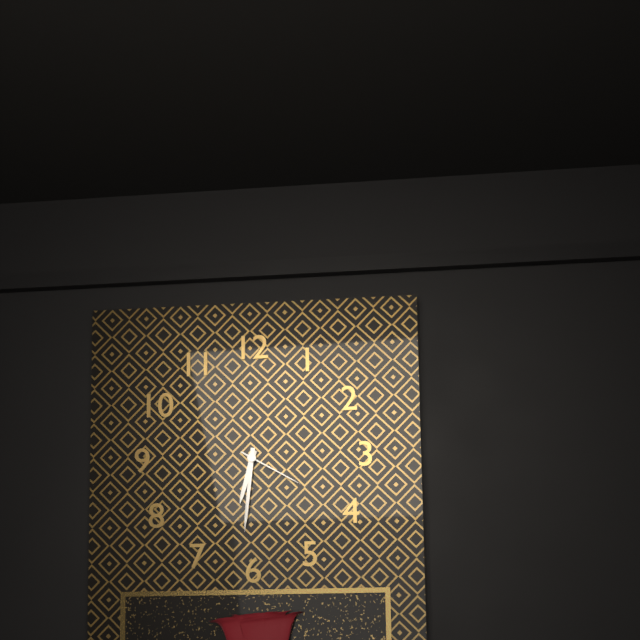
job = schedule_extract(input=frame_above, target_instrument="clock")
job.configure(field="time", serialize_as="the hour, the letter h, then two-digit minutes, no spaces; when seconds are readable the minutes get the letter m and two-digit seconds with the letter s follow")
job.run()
6h31m20s
